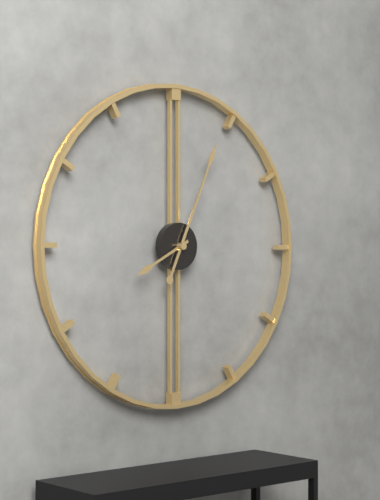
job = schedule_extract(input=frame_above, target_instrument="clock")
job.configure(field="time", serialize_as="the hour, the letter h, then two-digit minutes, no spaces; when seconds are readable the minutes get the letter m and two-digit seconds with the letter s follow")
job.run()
8h04
